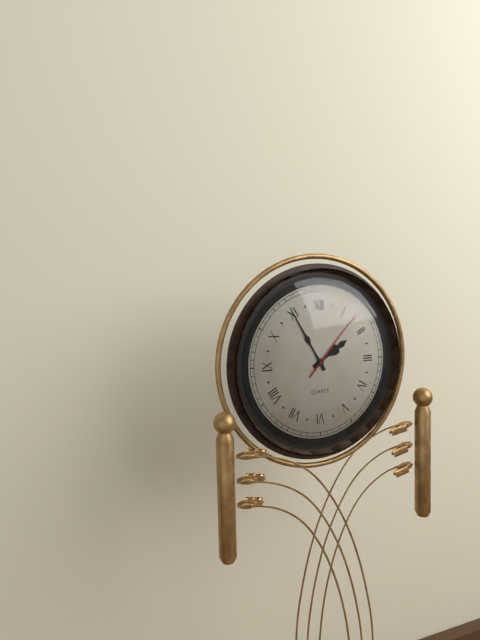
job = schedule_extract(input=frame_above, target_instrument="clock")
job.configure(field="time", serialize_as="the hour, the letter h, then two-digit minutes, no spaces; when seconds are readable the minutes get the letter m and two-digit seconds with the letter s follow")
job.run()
1h55m07s
